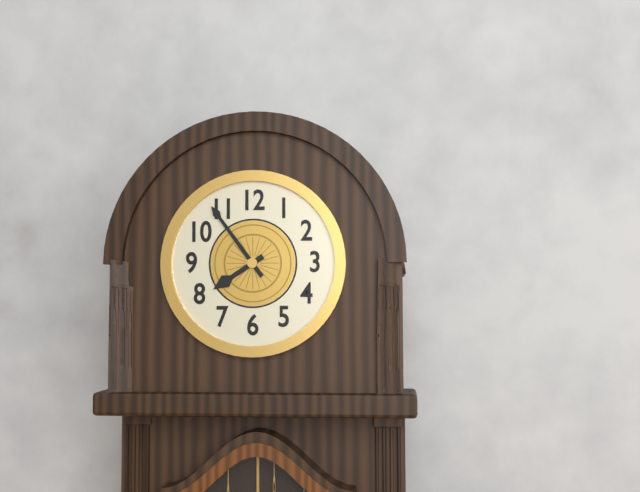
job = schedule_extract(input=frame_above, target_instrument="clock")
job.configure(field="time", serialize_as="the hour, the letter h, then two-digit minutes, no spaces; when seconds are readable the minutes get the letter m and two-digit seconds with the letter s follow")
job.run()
7h54
